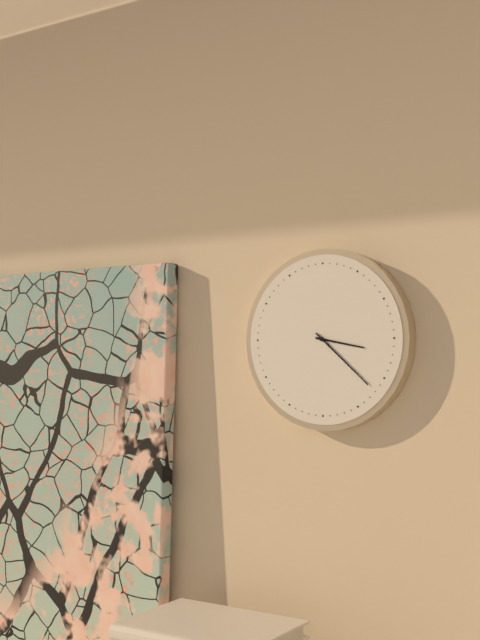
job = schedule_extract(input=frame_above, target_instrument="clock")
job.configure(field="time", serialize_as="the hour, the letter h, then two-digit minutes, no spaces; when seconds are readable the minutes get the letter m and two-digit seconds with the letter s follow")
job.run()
3h22
